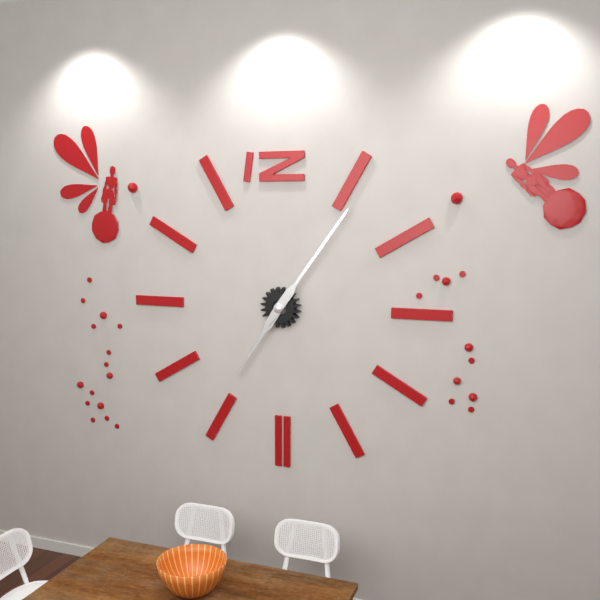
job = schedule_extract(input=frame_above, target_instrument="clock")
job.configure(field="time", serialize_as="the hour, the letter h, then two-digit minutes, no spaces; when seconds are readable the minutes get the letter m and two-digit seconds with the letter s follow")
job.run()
7h06
